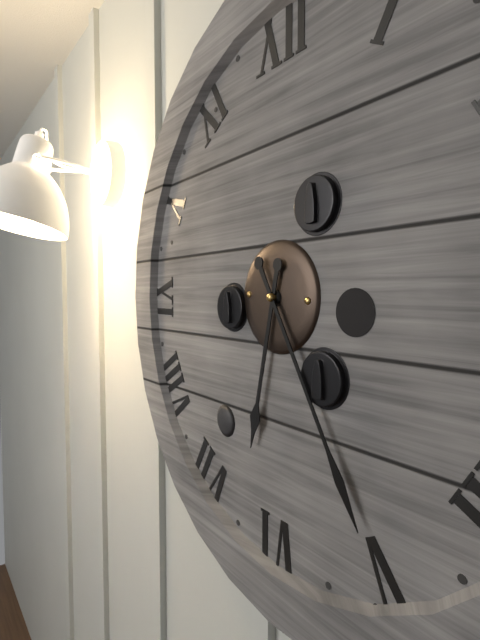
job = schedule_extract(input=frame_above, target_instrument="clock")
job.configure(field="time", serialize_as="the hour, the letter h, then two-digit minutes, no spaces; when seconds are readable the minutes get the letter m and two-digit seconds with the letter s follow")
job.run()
6h25
